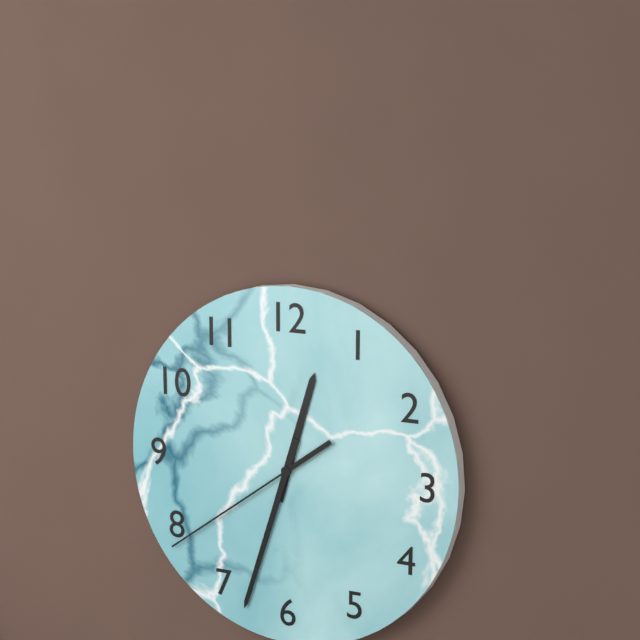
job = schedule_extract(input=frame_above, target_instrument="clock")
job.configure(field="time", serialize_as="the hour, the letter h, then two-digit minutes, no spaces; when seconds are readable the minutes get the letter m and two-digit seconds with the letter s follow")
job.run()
12h33m39s
